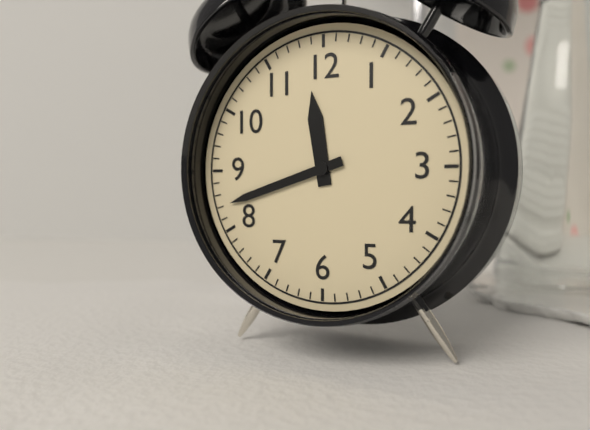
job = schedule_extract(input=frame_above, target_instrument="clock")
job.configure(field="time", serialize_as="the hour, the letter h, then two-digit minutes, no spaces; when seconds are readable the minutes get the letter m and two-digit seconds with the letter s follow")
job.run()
11h42
